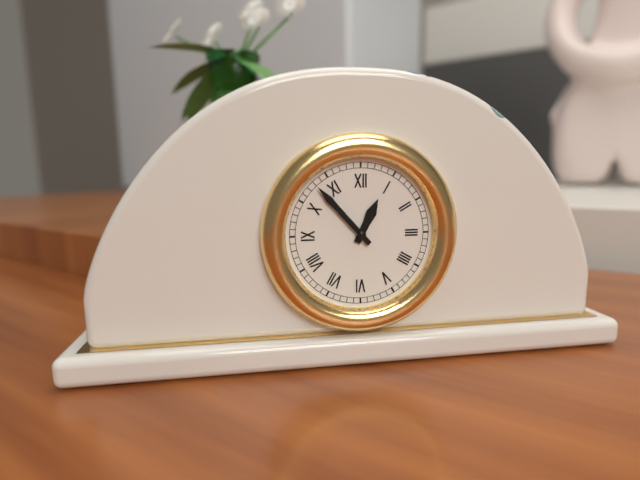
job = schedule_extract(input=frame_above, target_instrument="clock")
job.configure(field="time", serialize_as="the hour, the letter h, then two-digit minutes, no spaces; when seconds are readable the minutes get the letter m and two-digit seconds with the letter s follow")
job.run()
12h53
